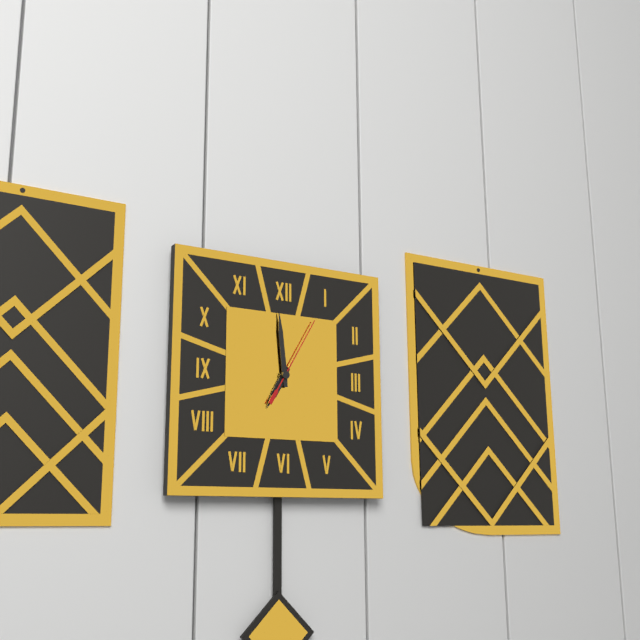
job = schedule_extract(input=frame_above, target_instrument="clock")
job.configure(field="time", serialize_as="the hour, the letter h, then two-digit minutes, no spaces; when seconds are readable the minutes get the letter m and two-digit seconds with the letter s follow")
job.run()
6h59m05s
